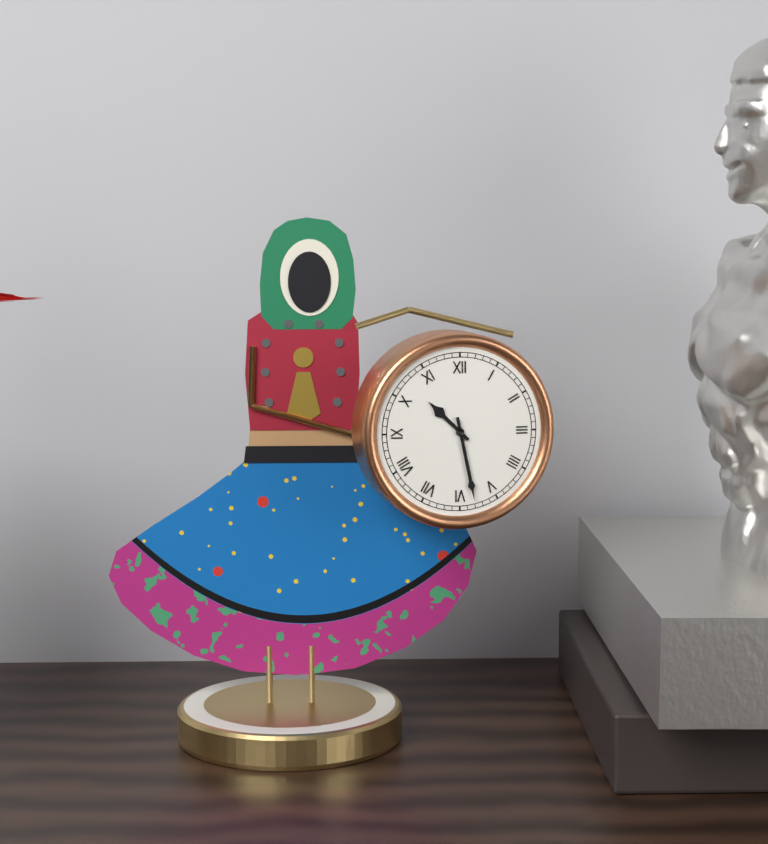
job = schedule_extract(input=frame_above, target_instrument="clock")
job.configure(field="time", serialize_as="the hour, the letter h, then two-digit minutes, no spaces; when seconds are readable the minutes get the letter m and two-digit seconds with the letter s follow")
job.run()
10h28
